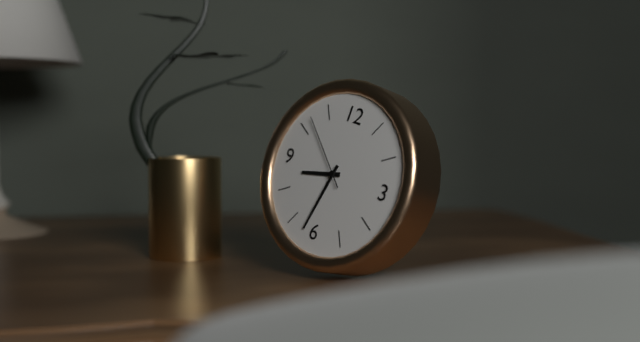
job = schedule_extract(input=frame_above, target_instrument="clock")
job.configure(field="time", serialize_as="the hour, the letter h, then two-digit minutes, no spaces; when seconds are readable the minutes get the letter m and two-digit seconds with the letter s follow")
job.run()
8h32m52s
